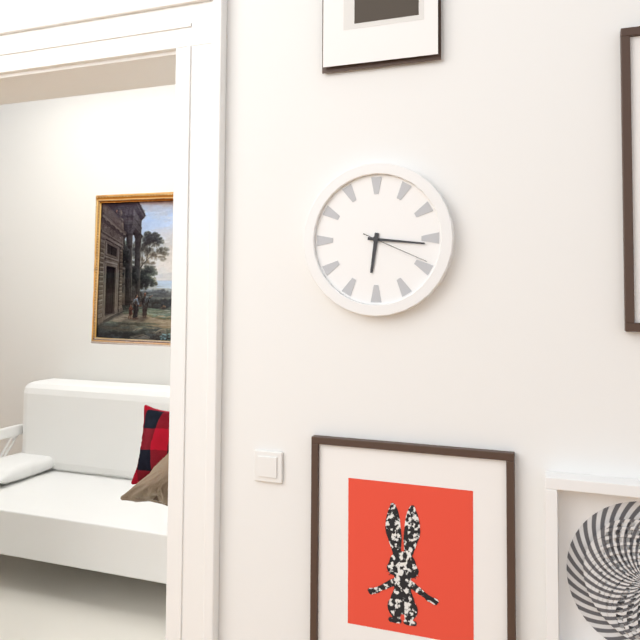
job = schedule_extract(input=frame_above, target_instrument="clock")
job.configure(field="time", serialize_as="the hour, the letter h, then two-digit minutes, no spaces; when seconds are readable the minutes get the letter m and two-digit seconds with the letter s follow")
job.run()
6h16m19s
